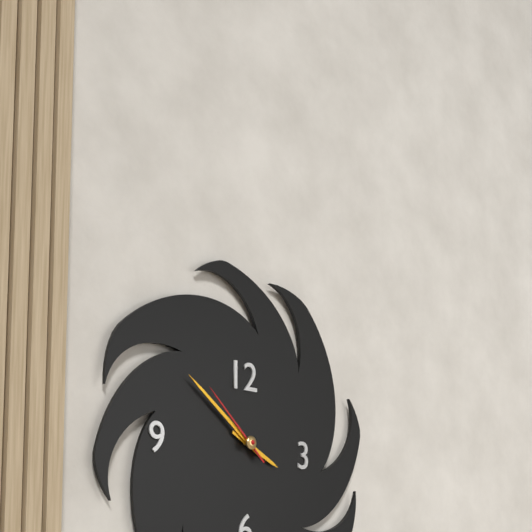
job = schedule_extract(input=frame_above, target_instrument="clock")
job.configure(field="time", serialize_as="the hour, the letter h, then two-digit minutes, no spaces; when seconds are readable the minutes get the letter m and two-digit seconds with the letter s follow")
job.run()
3h51m52s
